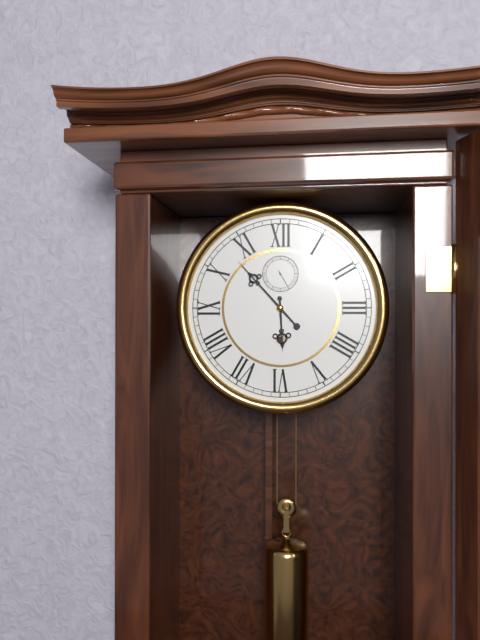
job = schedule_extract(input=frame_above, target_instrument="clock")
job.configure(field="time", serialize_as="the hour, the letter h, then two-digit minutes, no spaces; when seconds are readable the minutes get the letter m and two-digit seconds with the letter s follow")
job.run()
5h53
